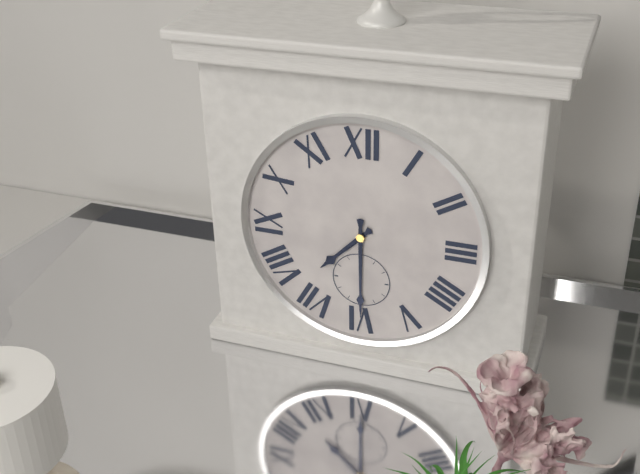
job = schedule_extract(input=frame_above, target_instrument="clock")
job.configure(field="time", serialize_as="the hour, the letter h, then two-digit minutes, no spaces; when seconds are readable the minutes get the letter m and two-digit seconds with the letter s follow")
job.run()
7h30
